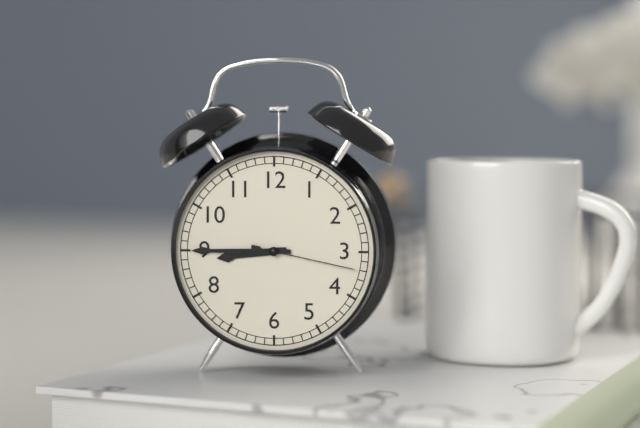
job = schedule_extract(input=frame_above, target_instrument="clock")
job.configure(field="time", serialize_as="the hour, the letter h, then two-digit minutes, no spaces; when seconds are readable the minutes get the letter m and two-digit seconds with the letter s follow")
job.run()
8h45m17s
